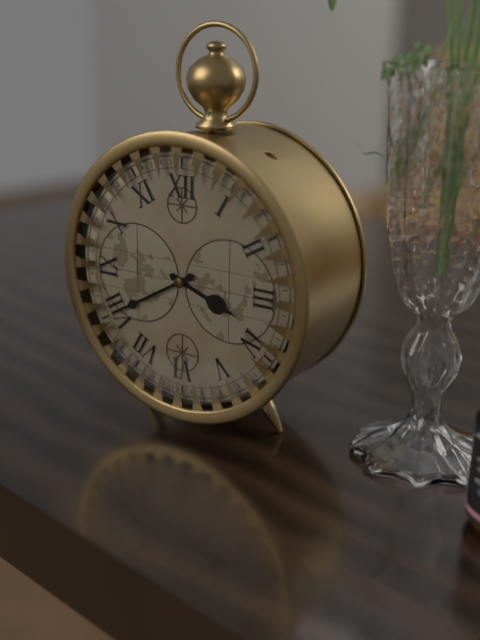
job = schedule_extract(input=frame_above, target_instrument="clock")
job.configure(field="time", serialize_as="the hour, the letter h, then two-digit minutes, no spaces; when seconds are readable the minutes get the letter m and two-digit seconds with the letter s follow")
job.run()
3h40
